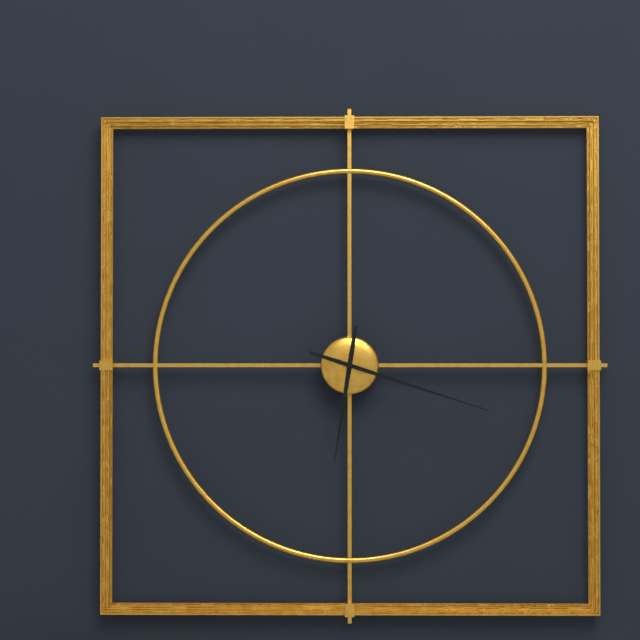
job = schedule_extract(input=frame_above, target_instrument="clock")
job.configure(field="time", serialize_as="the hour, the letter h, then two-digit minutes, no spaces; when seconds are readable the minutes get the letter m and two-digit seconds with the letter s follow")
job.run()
6h18
